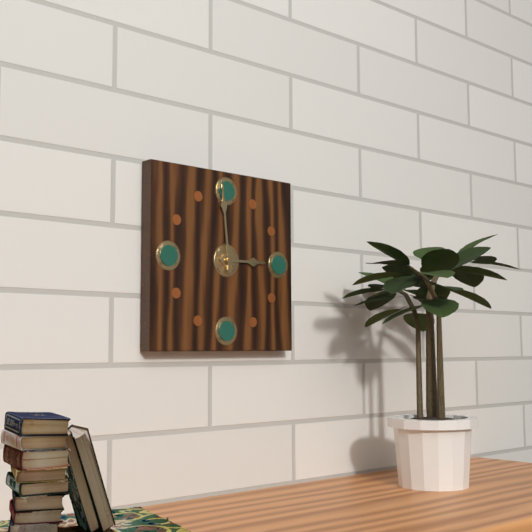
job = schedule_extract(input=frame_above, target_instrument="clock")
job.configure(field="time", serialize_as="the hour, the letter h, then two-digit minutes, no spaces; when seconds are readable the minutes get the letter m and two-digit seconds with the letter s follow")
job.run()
2h59
